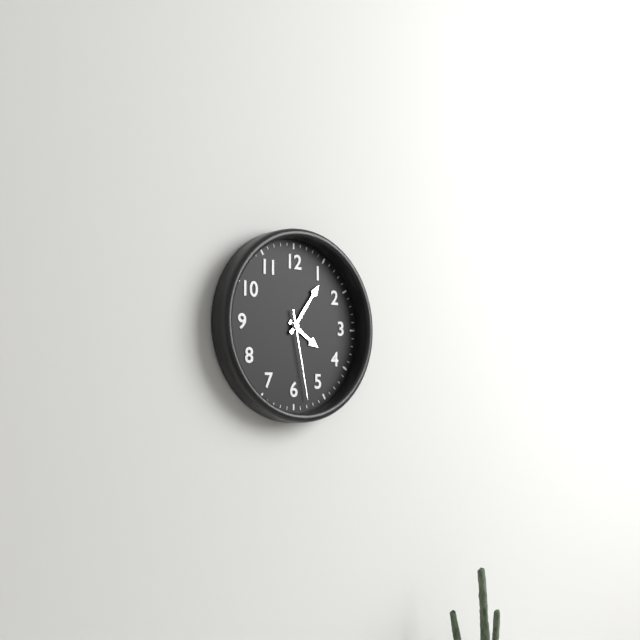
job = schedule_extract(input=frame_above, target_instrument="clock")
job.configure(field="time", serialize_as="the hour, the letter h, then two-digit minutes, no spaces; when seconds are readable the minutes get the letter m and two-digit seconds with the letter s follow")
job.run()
4h06m28s
